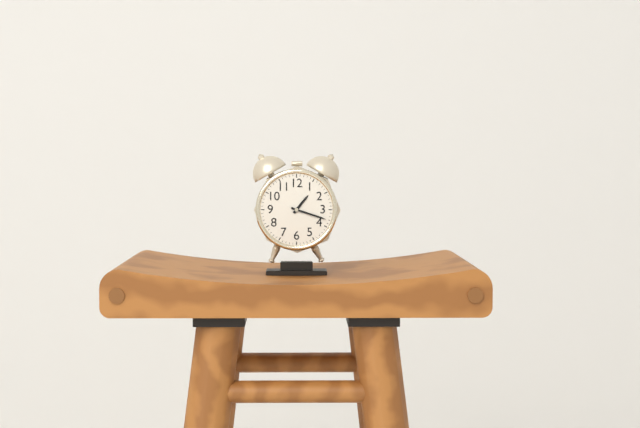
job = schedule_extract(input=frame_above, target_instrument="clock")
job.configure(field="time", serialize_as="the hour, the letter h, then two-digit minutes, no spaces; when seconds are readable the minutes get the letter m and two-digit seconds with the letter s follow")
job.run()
1h18
